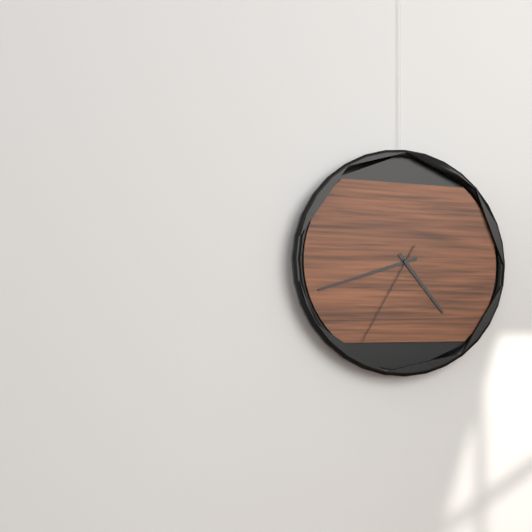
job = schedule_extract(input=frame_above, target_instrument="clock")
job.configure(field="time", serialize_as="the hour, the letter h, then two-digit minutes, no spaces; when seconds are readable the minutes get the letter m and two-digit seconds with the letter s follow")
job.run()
4h42m35s
